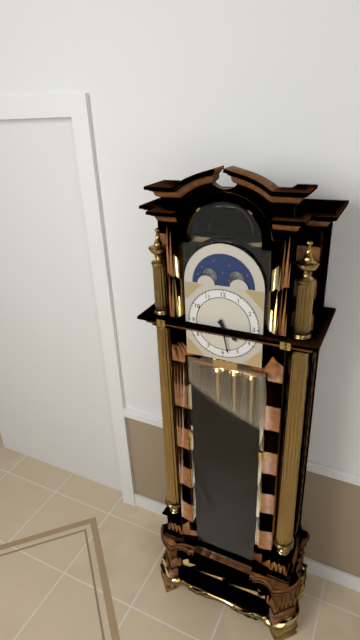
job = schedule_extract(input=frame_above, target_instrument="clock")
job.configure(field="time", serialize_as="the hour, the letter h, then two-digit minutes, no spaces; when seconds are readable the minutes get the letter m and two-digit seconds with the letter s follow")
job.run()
4h28
